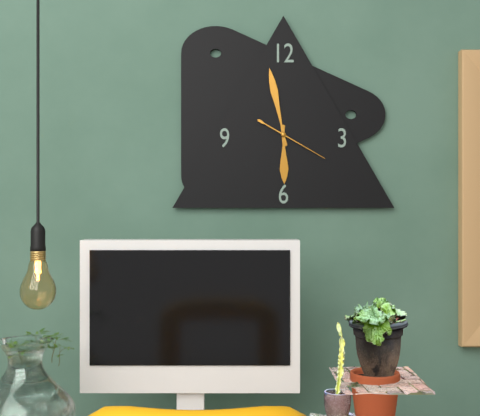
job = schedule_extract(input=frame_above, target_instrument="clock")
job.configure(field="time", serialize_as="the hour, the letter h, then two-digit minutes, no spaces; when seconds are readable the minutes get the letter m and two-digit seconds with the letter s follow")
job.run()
5h58m20s
